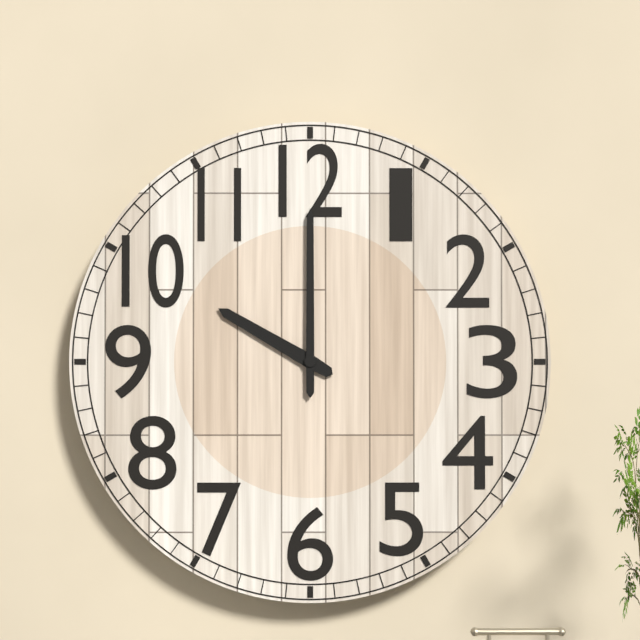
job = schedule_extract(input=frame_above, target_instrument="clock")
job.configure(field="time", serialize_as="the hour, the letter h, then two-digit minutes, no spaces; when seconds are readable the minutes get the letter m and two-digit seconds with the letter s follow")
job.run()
10h00
